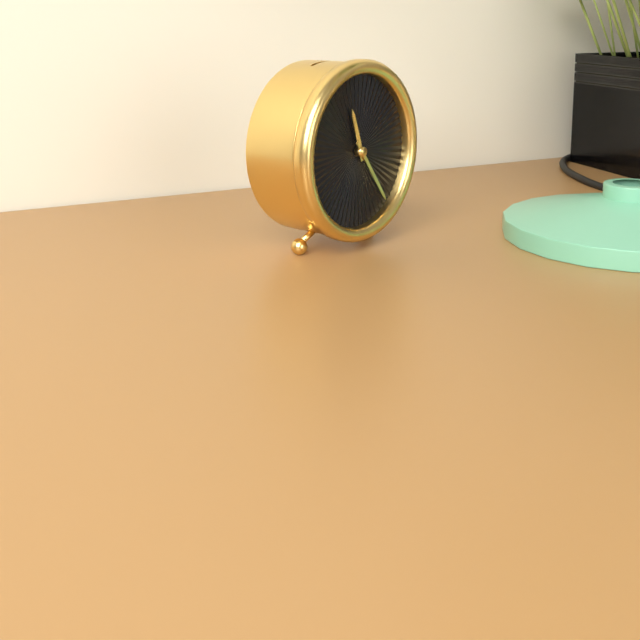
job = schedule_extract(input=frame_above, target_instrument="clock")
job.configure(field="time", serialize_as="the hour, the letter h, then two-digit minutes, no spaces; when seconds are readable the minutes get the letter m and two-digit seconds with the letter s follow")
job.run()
11h24
